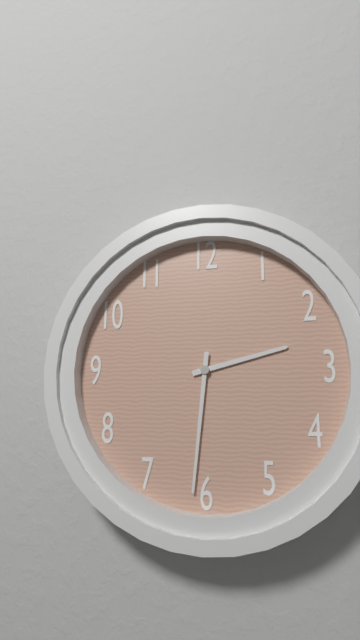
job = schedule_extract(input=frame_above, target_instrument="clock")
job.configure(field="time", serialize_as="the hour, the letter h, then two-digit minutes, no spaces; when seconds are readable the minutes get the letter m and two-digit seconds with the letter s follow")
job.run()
2h31
